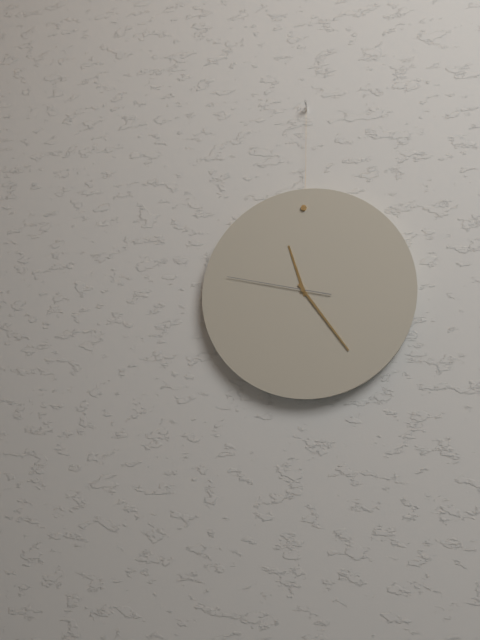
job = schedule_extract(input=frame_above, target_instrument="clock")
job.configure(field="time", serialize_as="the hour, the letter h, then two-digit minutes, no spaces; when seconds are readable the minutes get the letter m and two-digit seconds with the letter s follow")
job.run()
11h24m47s
